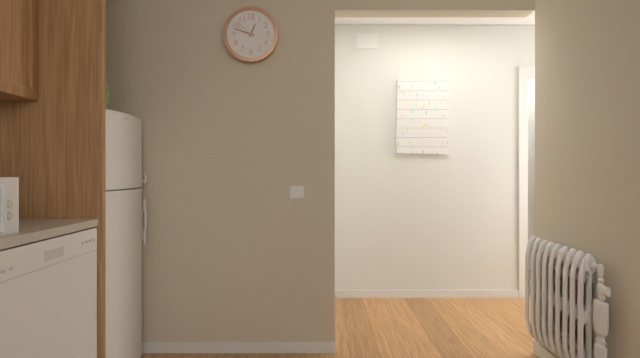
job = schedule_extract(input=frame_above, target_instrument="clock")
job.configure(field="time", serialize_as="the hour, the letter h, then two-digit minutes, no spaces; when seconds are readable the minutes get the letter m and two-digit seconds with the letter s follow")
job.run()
12h48
